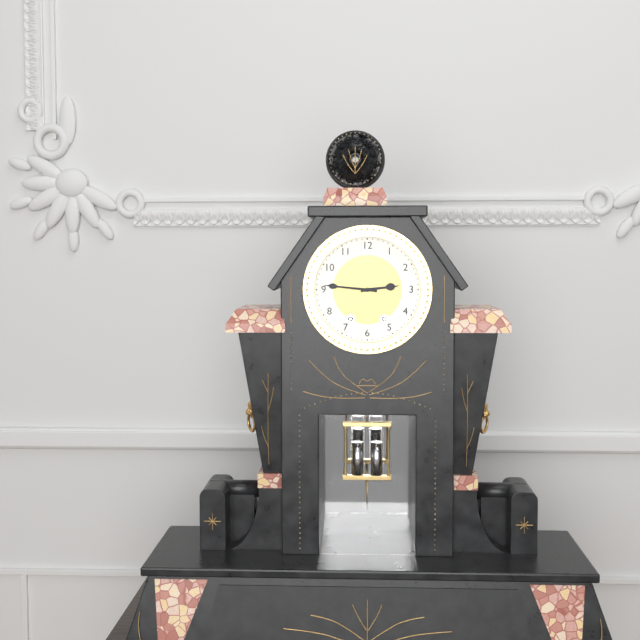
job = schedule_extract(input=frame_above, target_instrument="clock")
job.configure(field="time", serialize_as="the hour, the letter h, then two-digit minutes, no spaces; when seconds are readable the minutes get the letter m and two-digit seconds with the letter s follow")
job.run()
2h46
